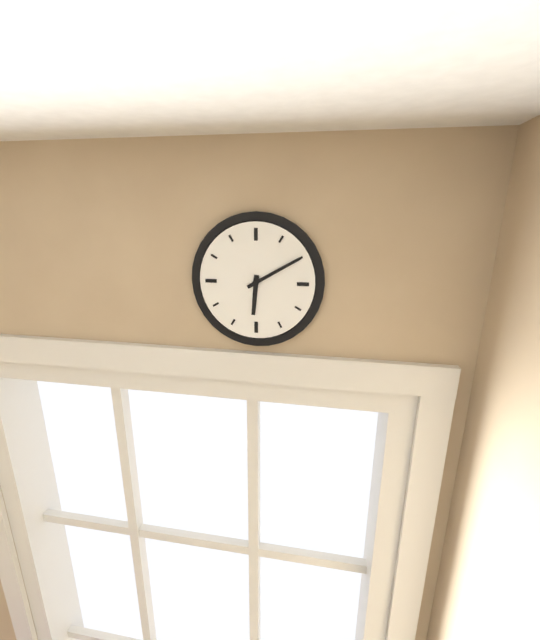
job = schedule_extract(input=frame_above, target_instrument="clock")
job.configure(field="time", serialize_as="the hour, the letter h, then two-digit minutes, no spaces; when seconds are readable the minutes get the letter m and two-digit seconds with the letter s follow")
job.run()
6h10
